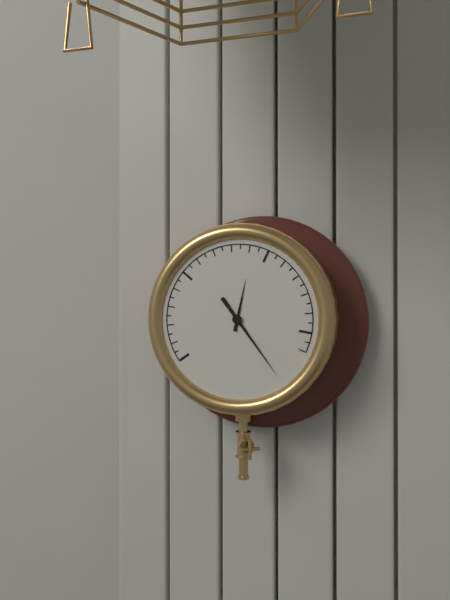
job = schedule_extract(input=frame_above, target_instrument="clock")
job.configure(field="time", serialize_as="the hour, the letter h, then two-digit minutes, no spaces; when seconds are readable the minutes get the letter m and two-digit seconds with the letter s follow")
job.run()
12h24
